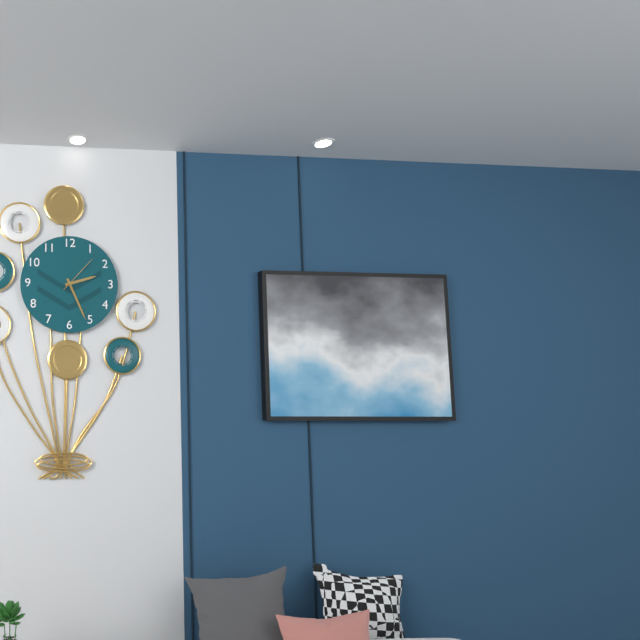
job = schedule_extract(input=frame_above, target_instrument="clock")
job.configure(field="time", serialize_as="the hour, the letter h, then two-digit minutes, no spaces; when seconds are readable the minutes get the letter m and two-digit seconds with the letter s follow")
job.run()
2h26
